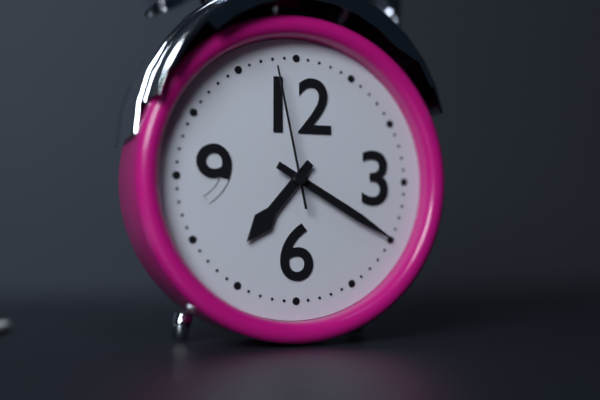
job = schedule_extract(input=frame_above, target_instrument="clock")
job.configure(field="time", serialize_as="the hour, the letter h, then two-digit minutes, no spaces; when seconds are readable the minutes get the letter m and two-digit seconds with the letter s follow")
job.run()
7h20m58s
